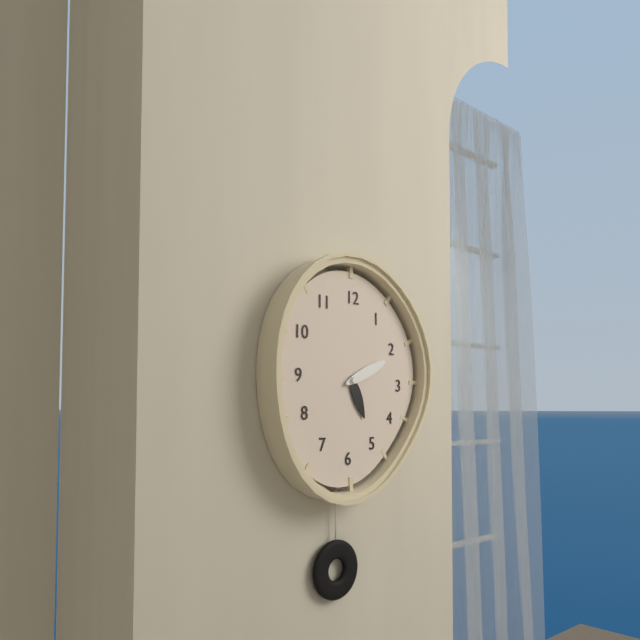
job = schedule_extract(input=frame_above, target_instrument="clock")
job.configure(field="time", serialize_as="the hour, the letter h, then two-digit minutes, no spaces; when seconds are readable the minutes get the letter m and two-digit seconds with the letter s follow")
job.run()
5h11
